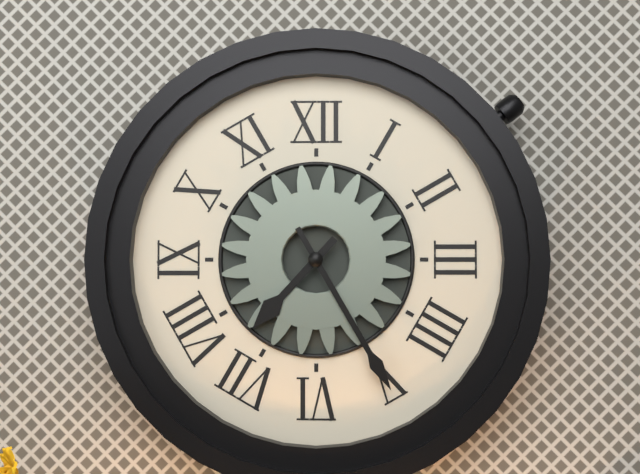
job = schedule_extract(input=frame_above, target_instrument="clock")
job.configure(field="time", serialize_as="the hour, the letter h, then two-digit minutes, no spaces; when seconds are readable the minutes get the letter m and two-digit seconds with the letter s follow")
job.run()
7h25
